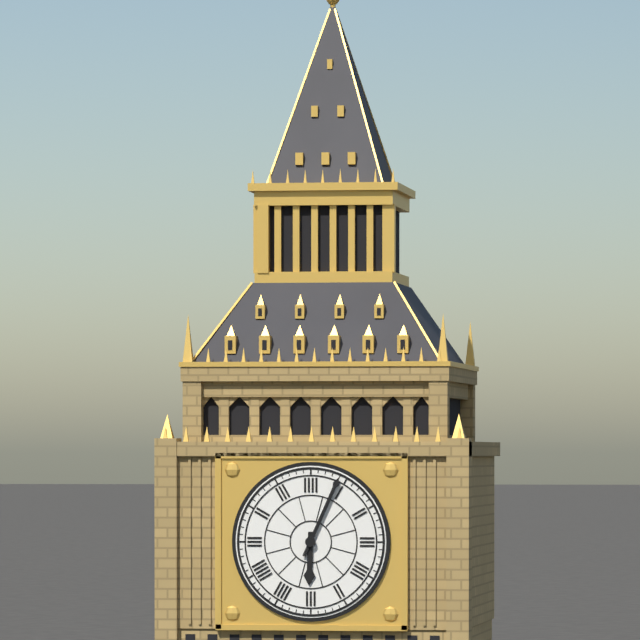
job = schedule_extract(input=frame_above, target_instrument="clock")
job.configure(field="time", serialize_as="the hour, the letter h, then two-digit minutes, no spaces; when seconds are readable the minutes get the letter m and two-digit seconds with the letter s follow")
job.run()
6h04
